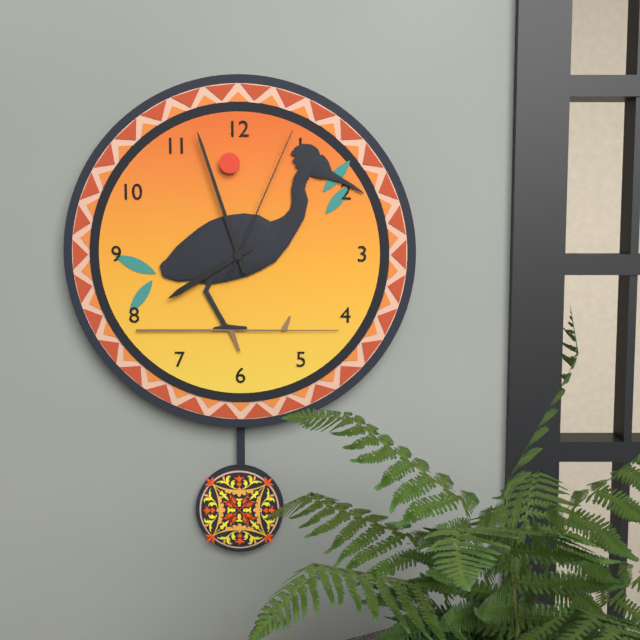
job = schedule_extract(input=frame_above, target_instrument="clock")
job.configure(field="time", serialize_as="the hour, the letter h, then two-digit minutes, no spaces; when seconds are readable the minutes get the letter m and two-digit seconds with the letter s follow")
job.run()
7h57m04s
